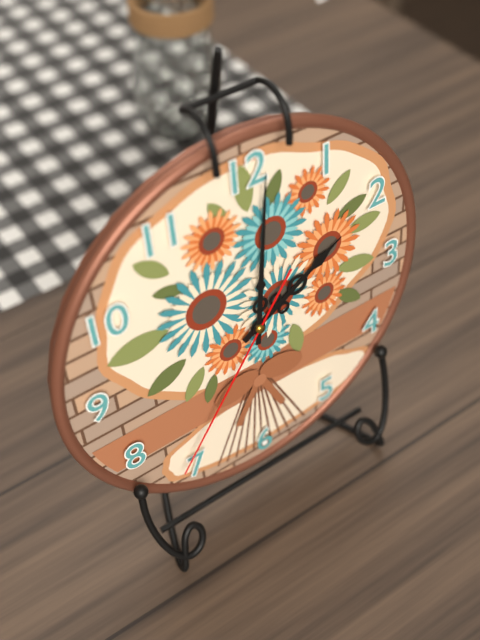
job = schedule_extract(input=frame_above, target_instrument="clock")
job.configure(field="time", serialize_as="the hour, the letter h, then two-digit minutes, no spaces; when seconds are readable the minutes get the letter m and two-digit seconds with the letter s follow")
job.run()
2h01m36s
